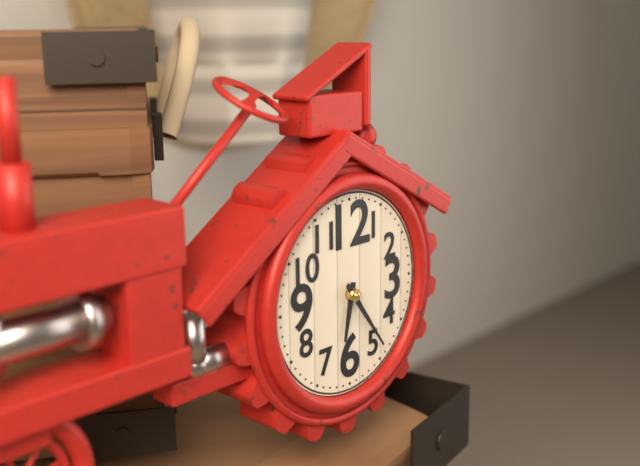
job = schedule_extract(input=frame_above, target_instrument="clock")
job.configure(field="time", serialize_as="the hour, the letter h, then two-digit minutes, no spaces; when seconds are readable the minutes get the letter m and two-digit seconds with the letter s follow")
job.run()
6h24
